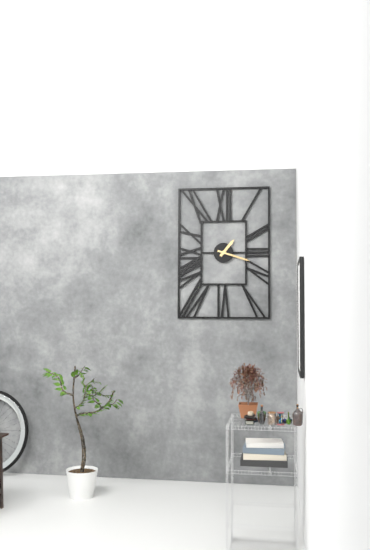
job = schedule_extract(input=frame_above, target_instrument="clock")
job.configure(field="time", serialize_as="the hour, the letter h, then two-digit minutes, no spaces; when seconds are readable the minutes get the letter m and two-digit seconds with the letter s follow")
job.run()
1h18
